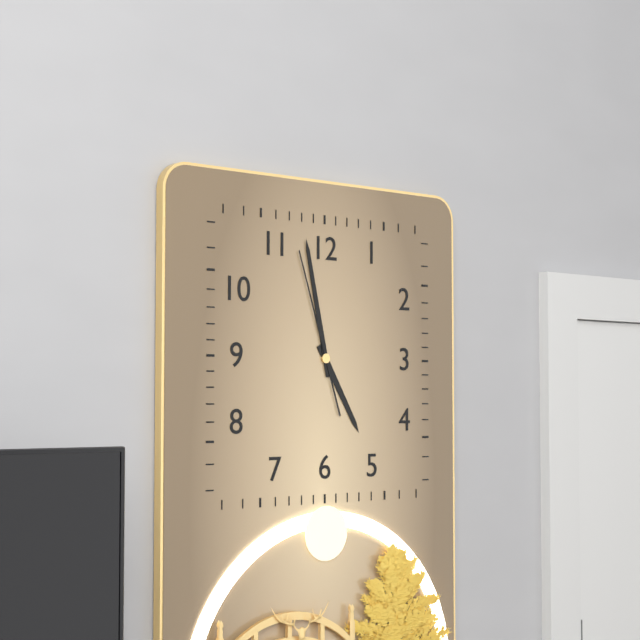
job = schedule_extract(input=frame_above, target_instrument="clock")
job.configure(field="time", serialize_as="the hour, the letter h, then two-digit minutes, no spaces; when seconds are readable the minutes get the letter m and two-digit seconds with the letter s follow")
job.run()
4h58m57s
